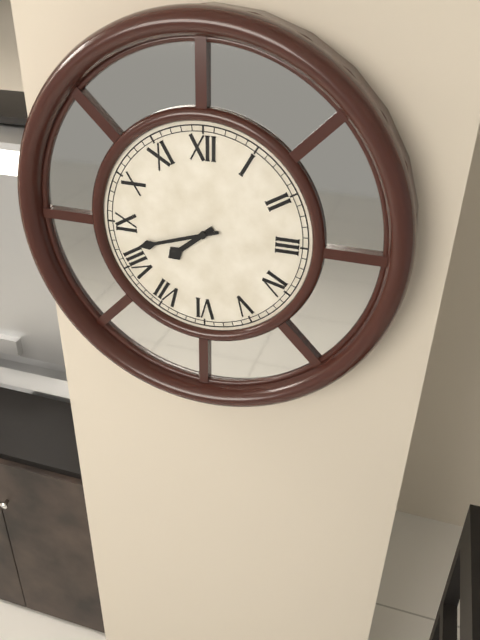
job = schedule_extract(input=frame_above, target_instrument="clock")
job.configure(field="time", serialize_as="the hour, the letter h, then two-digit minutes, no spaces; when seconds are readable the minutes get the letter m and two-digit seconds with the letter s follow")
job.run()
7h42
